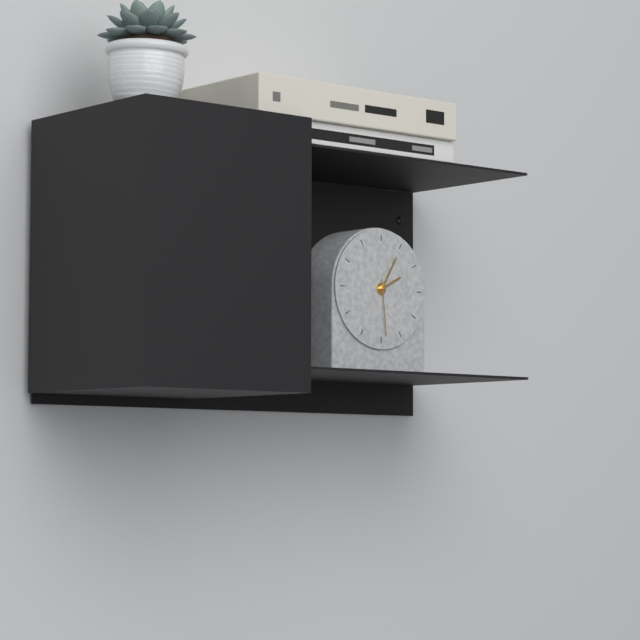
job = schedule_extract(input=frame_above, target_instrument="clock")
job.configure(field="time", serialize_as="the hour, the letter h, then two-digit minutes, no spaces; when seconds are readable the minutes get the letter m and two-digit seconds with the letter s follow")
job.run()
2h05m29s
